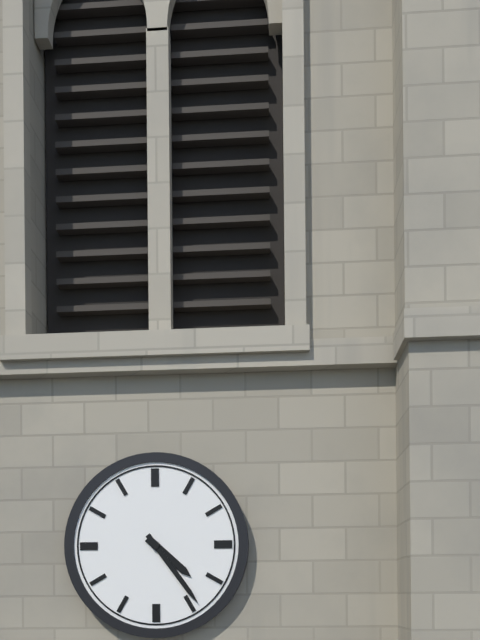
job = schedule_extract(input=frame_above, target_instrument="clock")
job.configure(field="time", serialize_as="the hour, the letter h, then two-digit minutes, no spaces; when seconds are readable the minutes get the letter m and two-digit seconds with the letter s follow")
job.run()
4h24
